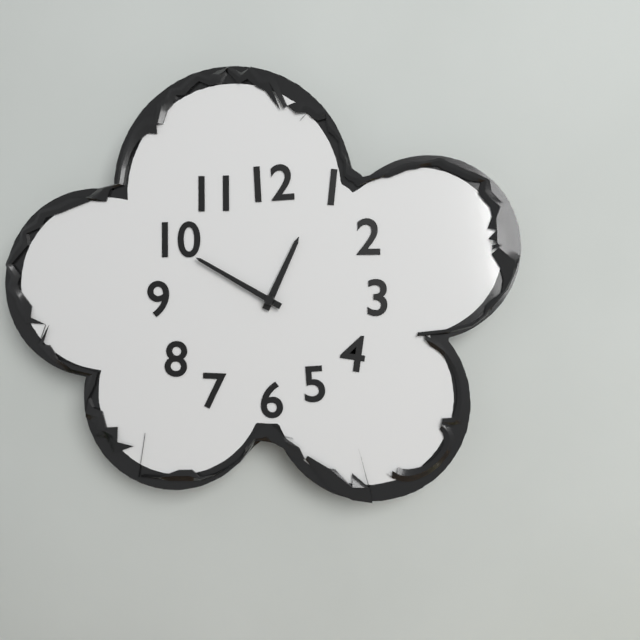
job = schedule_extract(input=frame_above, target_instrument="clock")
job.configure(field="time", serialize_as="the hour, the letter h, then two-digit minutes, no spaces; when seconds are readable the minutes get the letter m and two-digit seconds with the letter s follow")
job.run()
12h50
